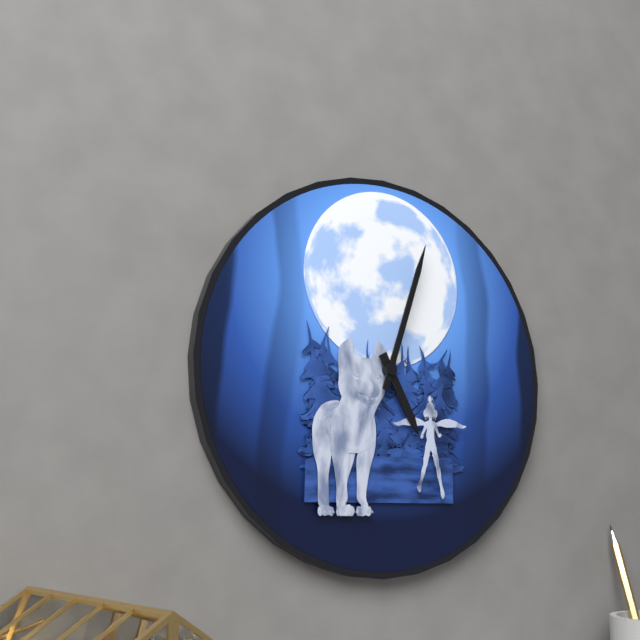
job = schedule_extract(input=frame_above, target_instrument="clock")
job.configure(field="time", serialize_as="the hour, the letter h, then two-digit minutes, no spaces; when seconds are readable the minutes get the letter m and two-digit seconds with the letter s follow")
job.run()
5h03
